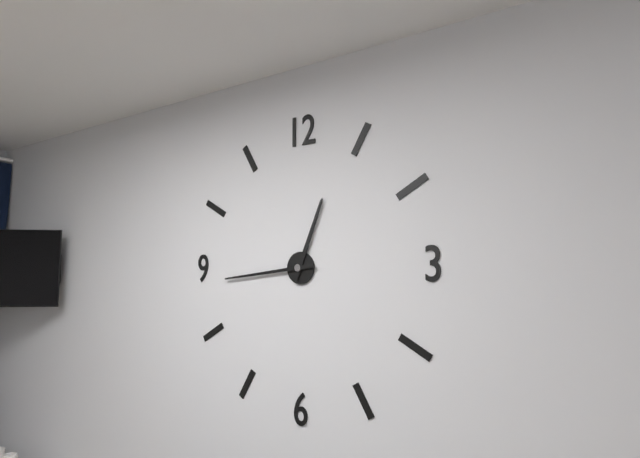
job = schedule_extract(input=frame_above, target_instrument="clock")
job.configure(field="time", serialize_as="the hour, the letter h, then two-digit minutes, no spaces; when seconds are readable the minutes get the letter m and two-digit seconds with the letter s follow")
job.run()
12h44
